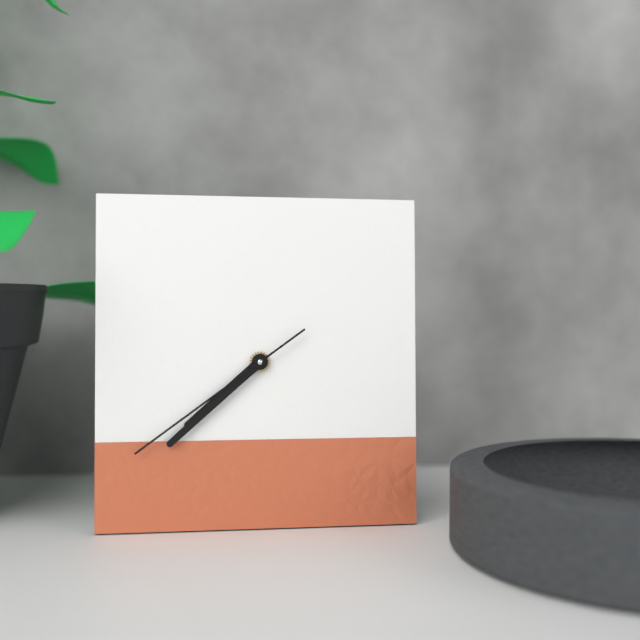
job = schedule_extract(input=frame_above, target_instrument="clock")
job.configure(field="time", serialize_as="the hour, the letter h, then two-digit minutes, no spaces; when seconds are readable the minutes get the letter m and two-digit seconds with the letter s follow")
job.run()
7h38m39s
